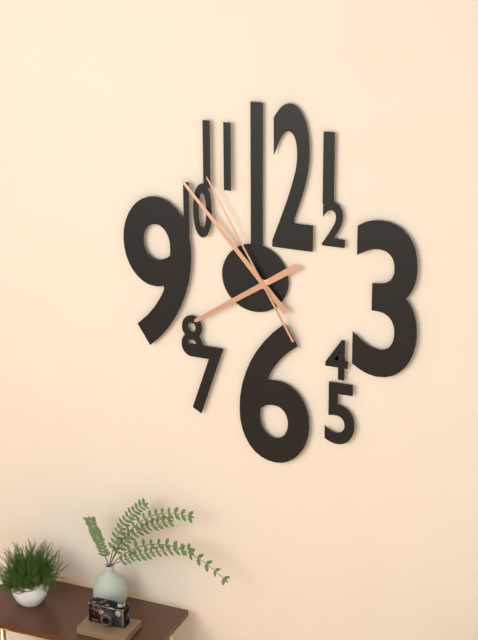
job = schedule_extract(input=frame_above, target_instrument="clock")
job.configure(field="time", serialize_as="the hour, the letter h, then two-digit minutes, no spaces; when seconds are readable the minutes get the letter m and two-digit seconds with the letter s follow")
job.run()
7h53m55s
